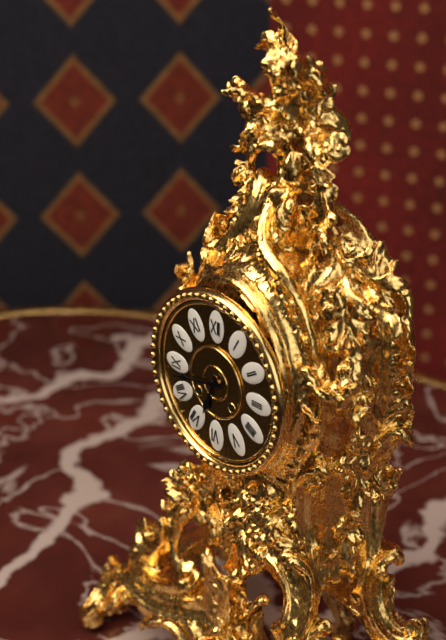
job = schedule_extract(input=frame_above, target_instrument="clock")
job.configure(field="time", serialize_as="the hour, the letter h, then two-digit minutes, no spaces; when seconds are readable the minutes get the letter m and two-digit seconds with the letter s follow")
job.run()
6h43
